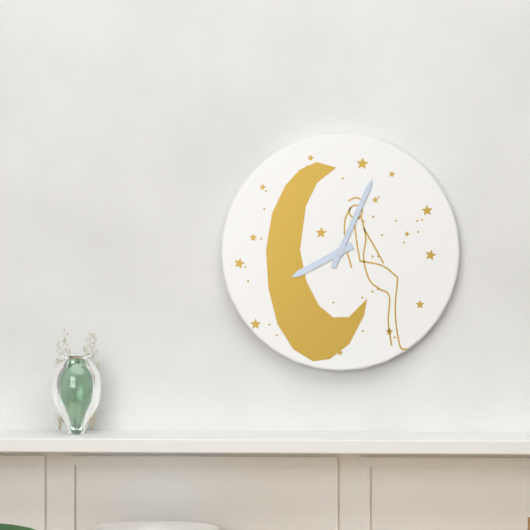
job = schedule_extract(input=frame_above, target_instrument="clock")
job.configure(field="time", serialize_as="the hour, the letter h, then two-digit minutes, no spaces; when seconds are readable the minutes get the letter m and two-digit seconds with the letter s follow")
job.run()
8h04
